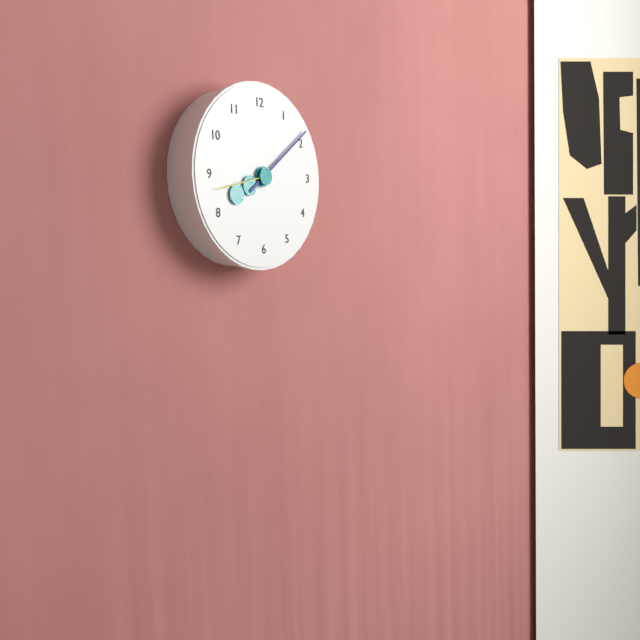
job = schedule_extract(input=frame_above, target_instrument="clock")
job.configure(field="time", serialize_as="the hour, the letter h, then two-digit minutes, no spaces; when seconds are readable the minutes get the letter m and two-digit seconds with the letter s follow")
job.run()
8h09m43s
